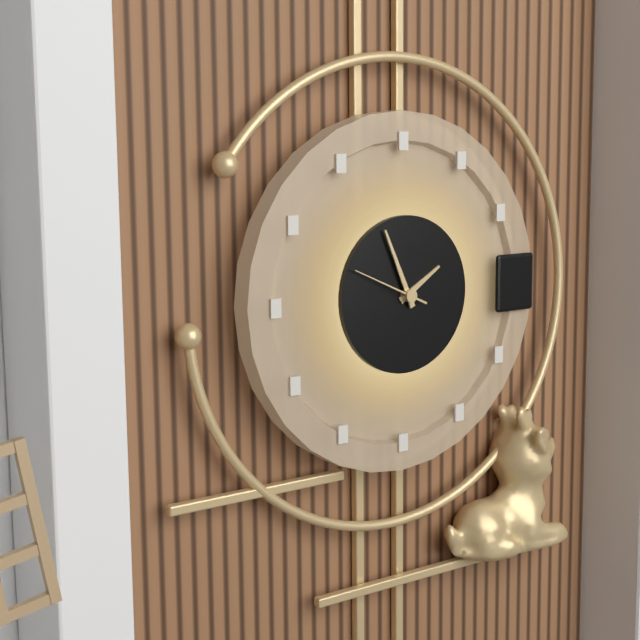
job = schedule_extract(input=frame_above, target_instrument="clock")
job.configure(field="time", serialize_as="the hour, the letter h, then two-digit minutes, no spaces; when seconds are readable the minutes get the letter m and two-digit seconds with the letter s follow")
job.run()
1h56m49s
